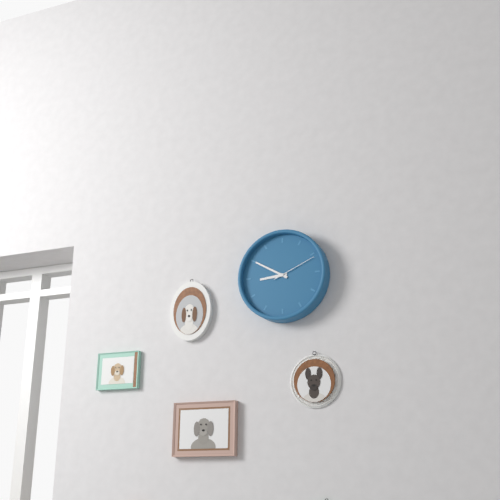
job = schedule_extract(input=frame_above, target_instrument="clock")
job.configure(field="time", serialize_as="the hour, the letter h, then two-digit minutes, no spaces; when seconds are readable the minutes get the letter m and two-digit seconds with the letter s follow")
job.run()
8h50
